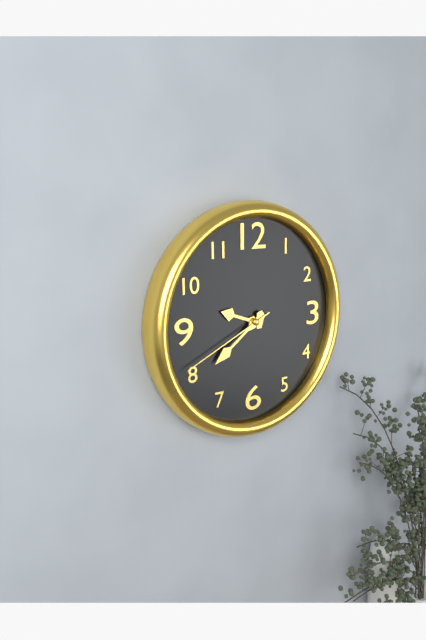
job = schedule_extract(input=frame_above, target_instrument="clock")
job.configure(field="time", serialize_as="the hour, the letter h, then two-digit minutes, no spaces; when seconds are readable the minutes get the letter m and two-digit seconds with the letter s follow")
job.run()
9h39m41s
